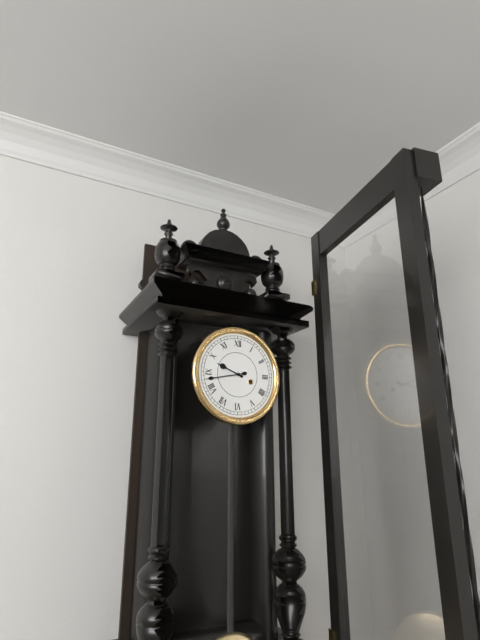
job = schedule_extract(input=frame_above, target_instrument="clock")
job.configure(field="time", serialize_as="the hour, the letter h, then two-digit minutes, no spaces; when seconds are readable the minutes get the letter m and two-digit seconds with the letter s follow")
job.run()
9h43
